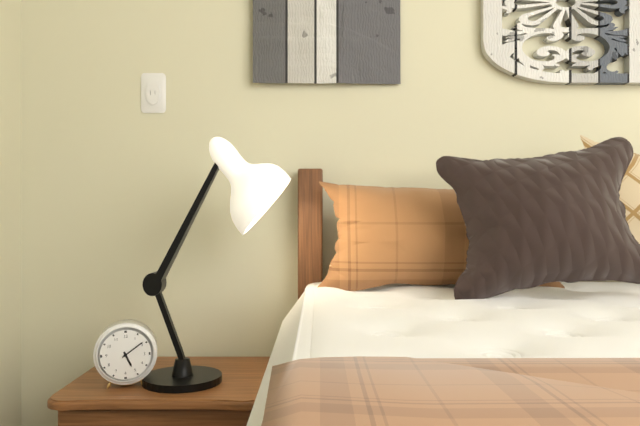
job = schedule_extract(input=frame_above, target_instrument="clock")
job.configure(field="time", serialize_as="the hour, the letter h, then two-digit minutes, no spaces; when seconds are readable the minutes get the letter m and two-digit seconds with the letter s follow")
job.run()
5h09
